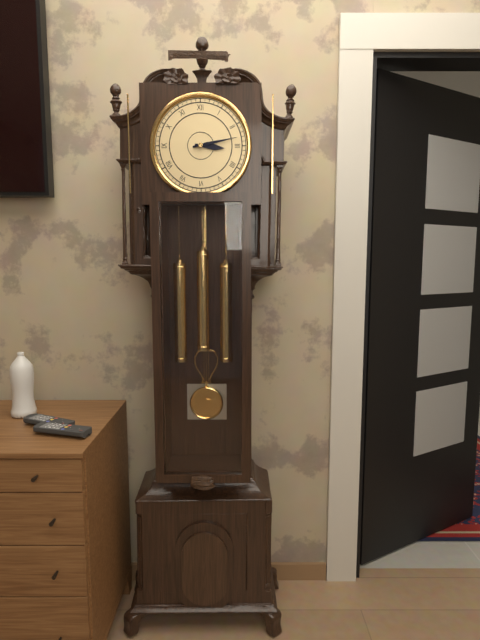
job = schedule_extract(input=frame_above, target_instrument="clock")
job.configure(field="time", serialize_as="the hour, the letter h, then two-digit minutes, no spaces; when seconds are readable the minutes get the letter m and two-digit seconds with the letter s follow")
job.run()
3h13
